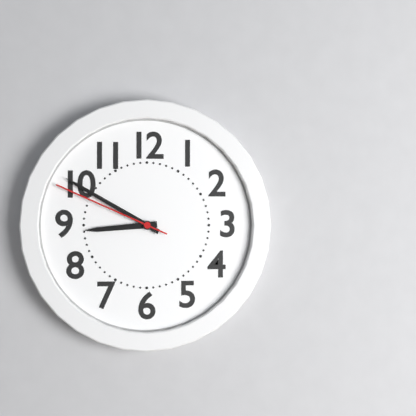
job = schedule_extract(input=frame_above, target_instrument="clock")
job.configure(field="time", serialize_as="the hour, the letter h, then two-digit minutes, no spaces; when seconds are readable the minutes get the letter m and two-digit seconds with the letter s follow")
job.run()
8h50m49s
